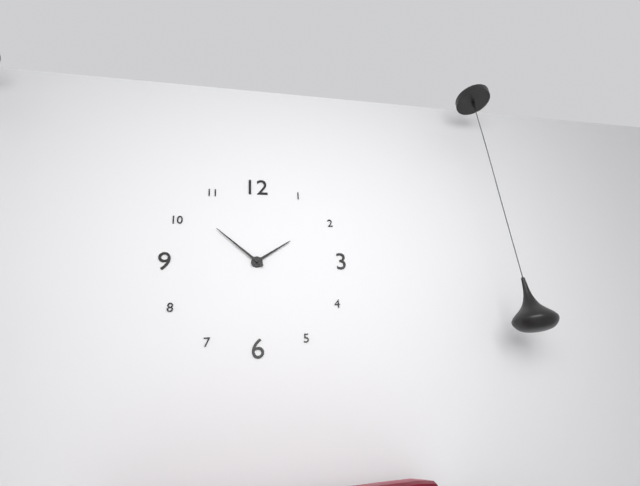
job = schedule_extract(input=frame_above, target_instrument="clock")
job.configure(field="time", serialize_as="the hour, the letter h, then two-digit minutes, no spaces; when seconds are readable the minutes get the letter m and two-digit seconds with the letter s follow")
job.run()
1h52
